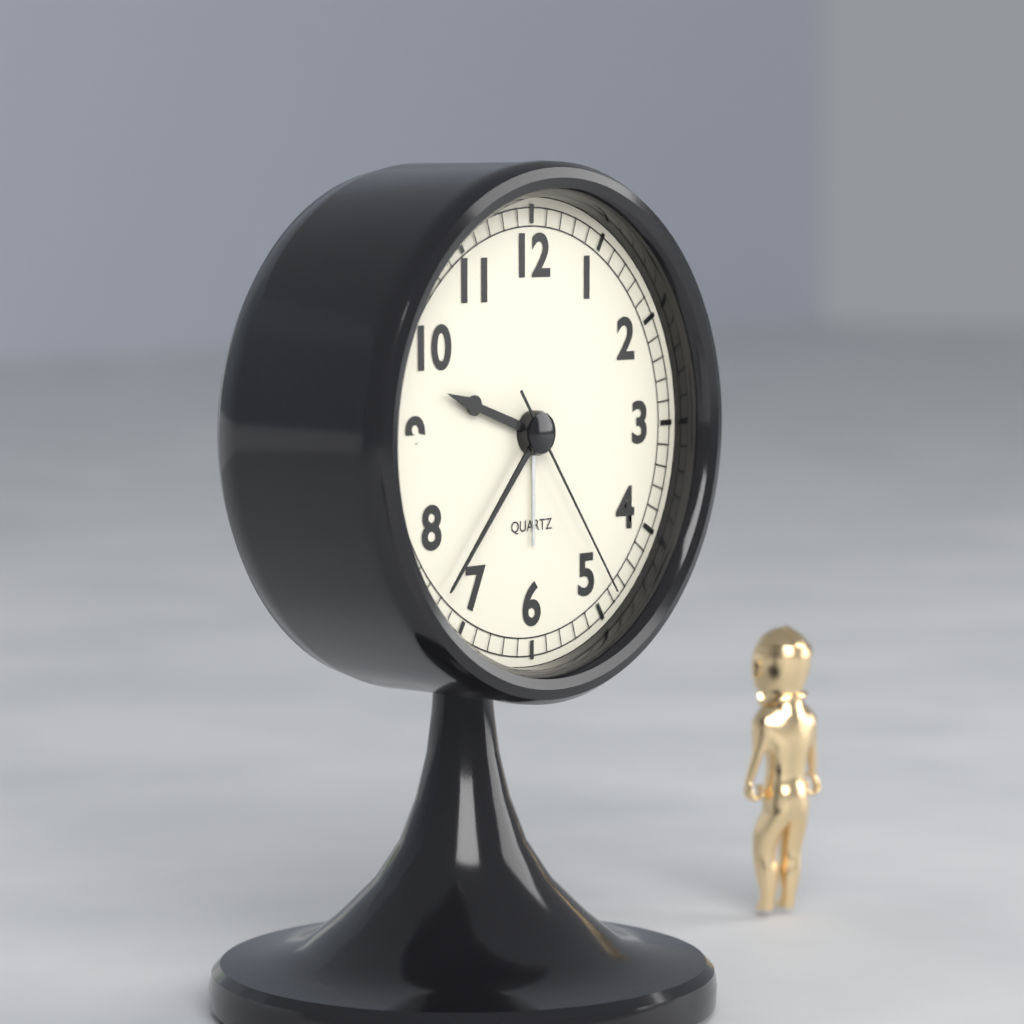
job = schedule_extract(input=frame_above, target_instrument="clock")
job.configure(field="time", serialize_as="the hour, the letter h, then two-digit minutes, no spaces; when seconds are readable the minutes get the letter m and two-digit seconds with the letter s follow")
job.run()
9h37m24s
